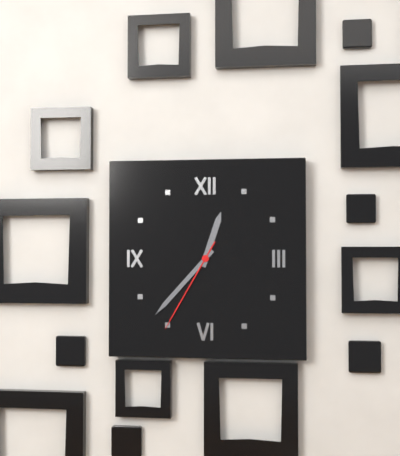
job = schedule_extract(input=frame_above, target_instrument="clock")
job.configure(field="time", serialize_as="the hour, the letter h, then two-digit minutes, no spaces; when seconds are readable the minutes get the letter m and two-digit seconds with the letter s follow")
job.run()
12h37m35s
